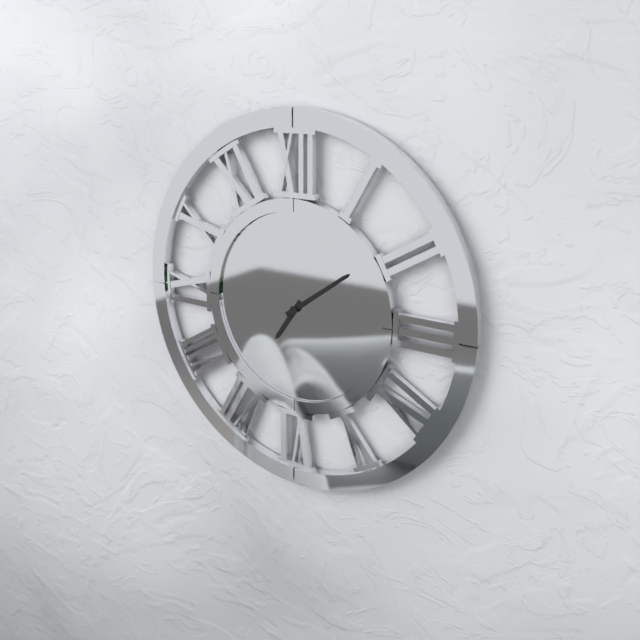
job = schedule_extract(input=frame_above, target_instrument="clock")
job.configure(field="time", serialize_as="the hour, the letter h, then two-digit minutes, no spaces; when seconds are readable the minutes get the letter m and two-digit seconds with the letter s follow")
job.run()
7h09
